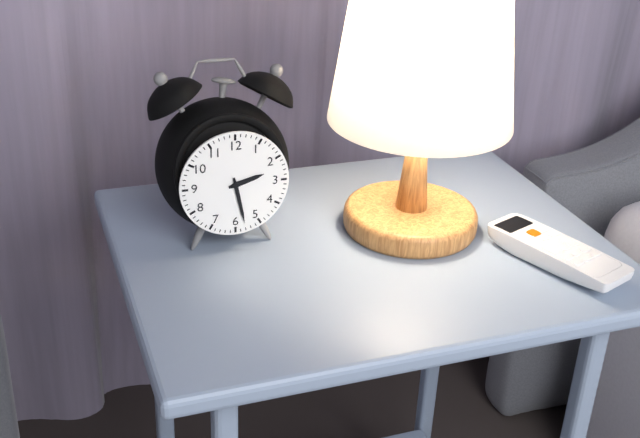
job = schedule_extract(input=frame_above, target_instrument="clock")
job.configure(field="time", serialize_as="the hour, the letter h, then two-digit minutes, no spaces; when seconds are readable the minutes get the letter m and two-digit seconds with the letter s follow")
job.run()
2h28
